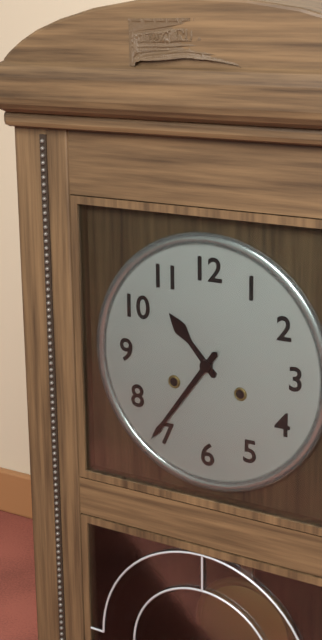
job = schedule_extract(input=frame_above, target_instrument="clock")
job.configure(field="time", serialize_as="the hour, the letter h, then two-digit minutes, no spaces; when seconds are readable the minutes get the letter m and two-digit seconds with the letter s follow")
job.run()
10h36
